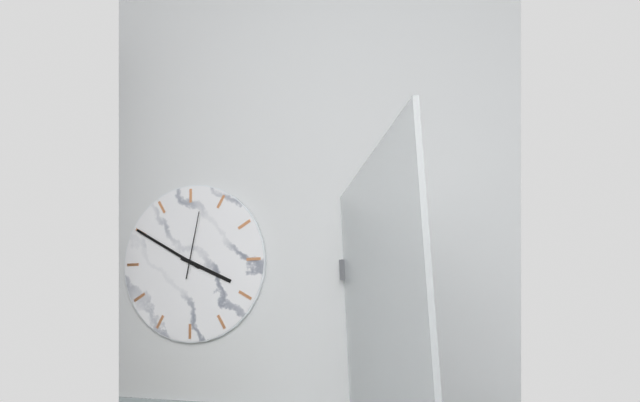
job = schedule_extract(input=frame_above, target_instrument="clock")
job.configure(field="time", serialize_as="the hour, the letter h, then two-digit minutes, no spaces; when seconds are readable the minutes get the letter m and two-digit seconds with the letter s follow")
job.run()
3h50m02s
